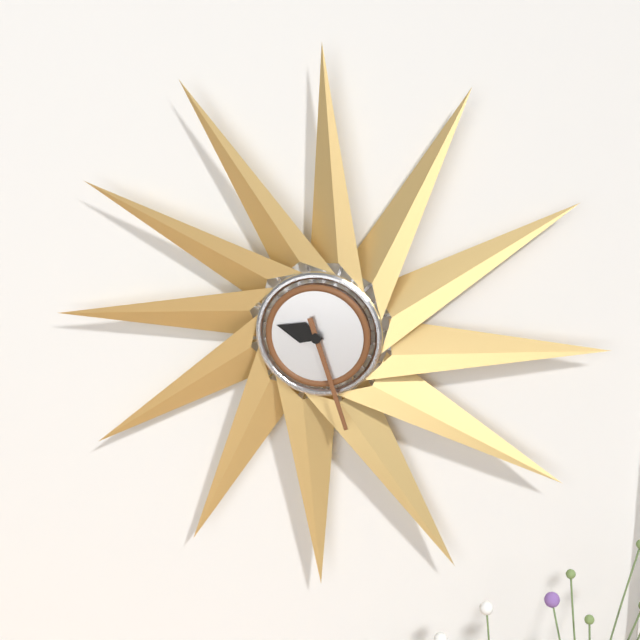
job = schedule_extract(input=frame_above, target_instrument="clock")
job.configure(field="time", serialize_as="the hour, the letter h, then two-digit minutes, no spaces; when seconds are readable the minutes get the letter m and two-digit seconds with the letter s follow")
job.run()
9h27
